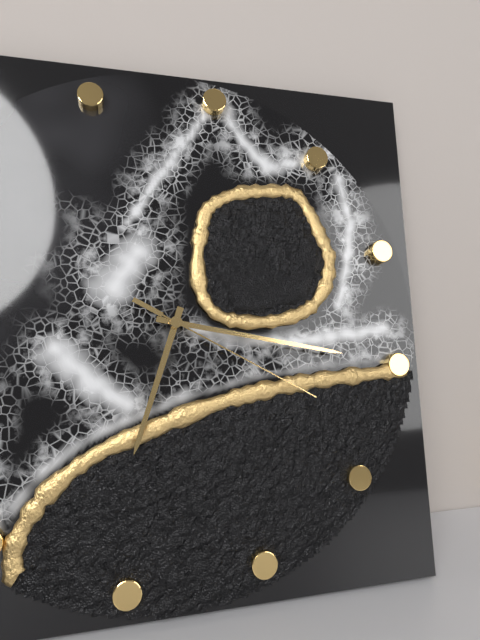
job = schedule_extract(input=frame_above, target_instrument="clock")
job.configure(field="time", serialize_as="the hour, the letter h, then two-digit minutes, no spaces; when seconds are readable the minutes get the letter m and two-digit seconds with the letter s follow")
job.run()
6h15m18s
